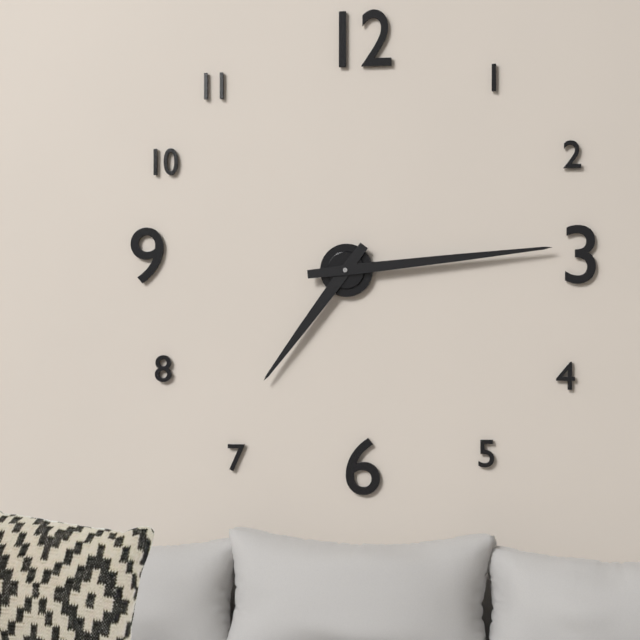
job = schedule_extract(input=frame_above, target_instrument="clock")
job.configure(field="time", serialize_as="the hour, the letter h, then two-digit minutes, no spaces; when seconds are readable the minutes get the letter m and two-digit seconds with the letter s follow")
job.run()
7h14
